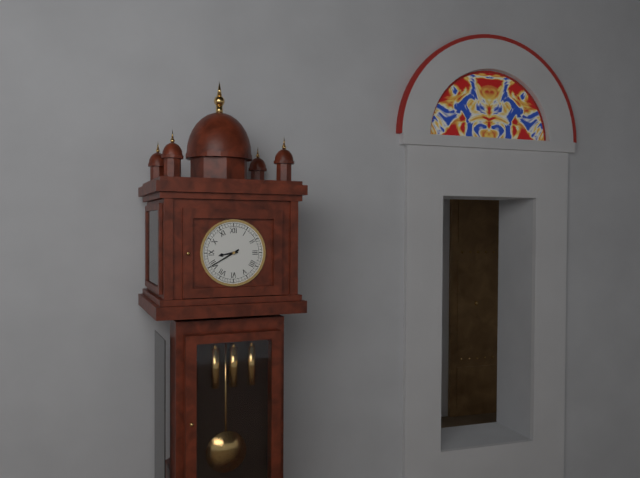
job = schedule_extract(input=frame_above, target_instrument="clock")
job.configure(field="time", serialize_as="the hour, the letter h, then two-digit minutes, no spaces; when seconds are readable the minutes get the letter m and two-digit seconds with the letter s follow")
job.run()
8h40
